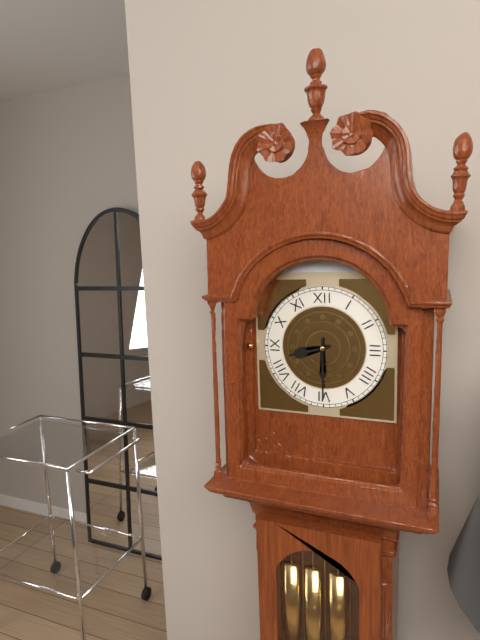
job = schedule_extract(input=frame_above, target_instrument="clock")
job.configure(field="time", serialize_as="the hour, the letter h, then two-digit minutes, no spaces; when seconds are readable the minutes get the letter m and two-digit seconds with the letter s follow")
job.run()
8h30
